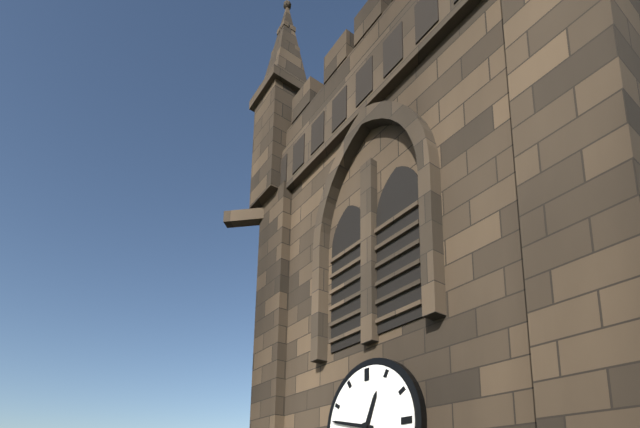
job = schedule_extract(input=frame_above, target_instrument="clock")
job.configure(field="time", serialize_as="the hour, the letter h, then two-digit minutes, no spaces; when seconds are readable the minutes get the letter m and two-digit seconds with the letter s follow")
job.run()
12h47
